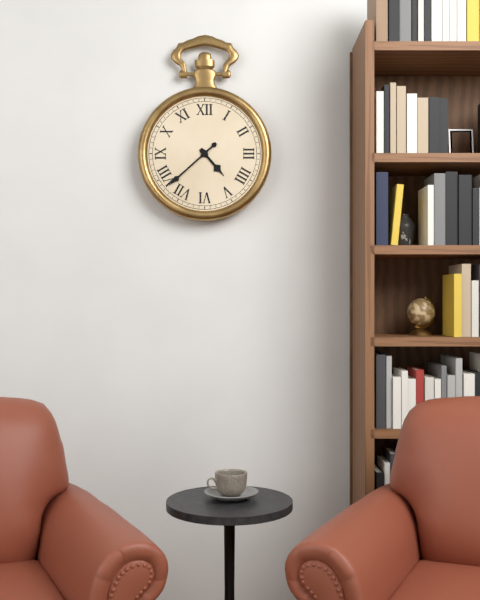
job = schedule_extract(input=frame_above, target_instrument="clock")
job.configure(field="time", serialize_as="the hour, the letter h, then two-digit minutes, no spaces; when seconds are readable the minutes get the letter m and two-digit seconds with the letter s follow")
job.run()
4h38
